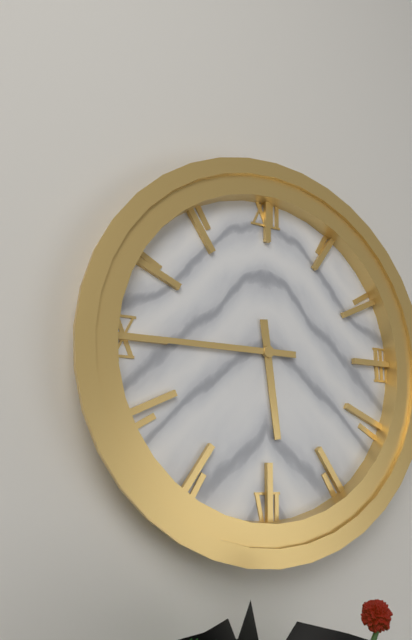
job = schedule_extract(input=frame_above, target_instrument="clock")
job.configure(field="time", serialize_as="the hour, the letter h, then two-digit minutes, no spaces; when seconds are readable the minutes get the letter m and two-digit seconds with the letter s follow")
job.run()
5h45
